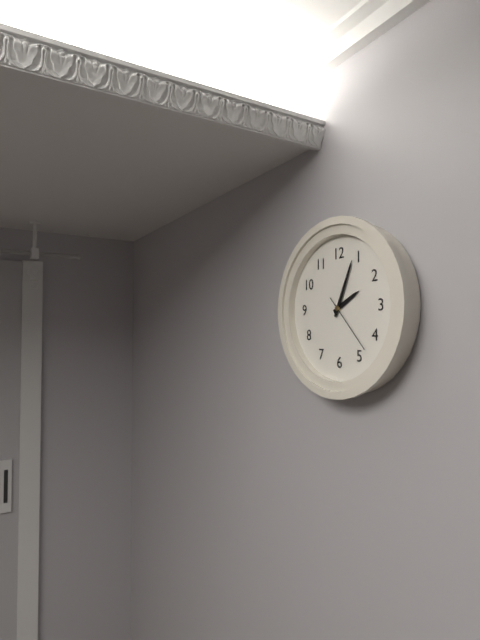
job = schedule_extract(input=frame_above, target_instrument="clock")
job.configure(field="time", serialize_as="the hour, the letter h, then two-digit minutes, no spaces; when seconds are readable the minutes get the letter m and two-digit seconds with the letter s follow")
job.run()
2h04m23s
